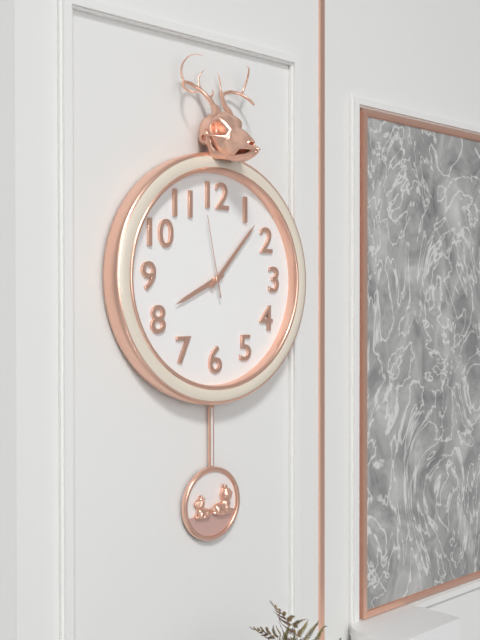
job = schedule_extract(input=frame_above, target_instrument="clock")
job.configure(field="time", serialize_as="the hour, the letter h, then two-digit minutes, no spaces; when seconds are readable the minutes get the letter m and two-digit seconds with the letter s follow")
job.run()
8h07m58s
